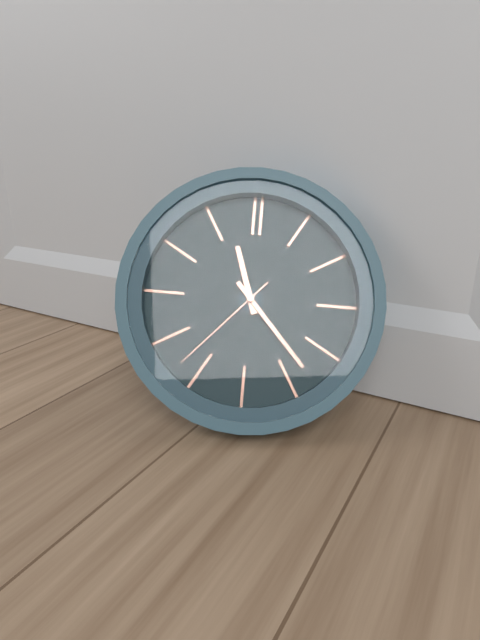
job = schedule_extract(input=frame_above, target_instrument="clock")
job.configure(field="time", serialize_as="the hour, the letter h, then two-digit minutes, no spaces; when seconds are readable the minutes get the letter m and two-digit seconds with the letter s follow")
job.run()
11h23m37s
